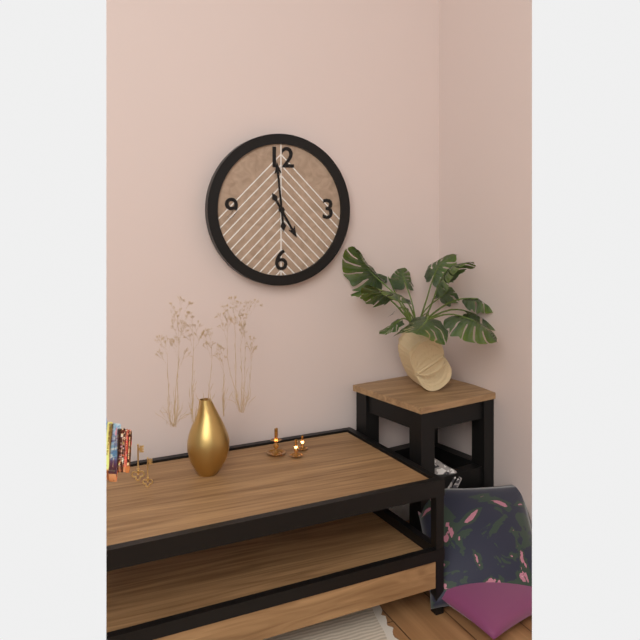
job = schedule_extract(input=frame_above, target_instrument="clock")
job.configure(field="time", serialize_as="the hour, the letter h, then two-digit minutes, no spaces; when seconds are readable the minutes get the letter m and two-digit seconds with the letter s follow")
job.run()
4h59
